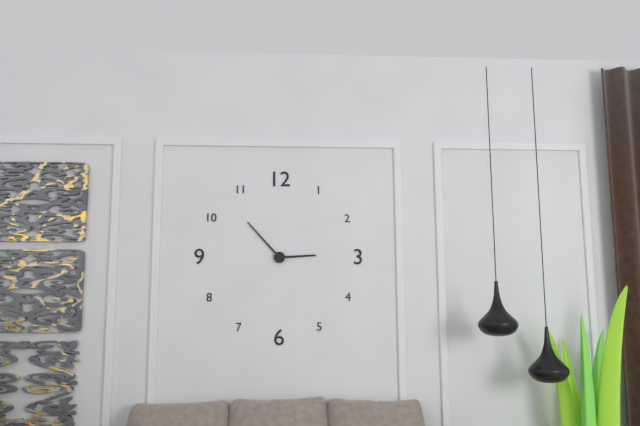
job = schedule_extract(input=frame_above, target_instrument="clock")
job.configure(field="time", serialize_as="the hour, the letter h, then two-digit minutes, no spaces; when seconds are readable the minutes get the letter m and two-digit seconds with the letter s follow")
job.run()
2h53
